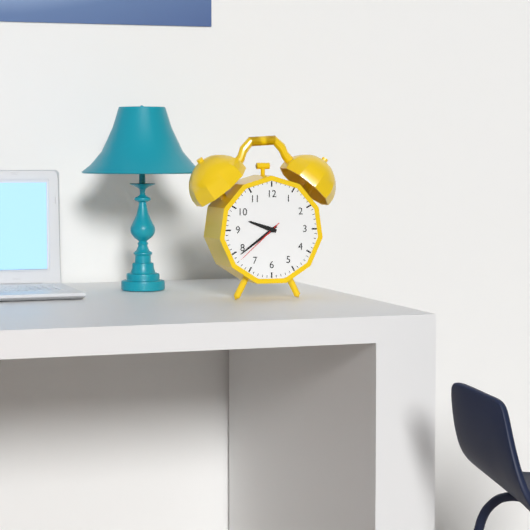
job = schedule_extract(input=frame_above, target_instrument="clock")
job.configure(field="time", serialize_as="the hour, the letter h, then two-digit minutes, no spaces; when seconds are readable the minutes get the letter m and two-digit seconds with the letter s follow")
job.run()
9h39m38s
